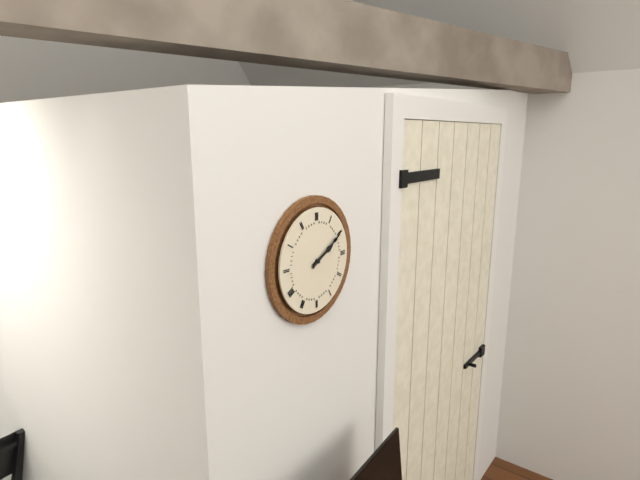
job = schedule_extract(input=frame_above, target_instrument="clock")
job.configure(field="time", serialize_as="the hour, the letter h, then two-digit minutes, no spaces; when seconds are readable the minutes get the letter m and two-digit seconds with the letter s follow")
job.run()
2h10
